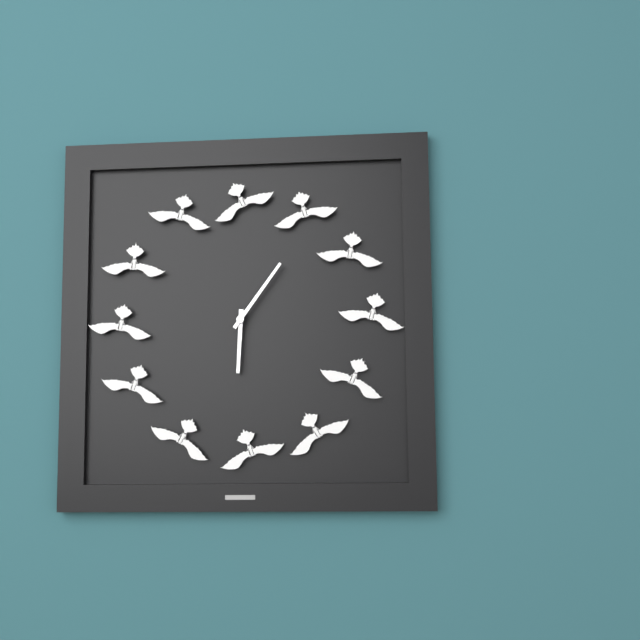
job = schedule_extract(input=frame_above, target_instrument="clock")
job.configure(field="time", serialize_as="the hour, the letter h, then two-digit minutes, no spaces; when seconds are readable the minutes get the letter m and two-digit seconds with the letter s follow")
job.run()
6h06
